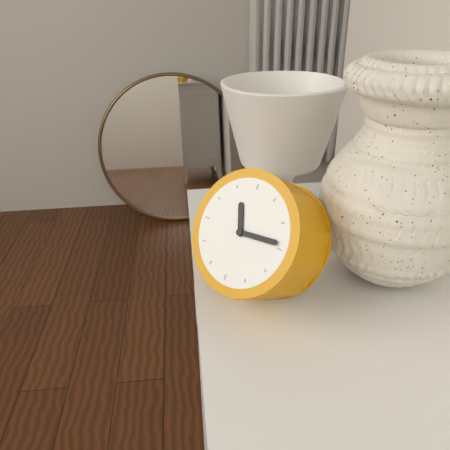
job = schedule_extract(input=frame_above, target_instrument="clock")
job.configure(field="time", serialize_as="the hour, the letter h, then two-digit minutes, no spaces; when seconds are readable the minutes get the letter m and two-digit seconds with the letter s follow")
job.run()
11h14
